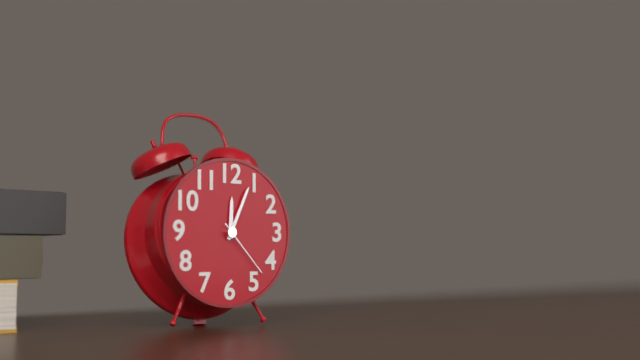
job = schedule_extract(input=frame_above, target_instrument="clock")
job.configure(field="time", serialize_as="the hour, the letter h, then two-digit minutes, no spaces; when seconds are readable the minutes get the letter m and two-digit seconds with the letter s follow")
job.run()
12h04m23s
